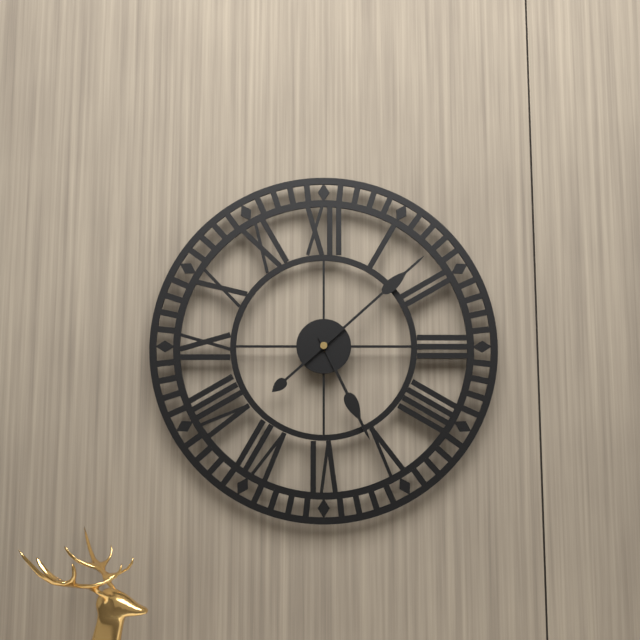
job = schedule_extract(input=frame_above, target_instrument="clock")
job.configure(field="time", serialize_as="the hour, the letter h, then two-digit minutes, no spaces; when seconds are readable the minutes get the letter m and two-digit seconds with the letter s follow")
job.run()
5h08
